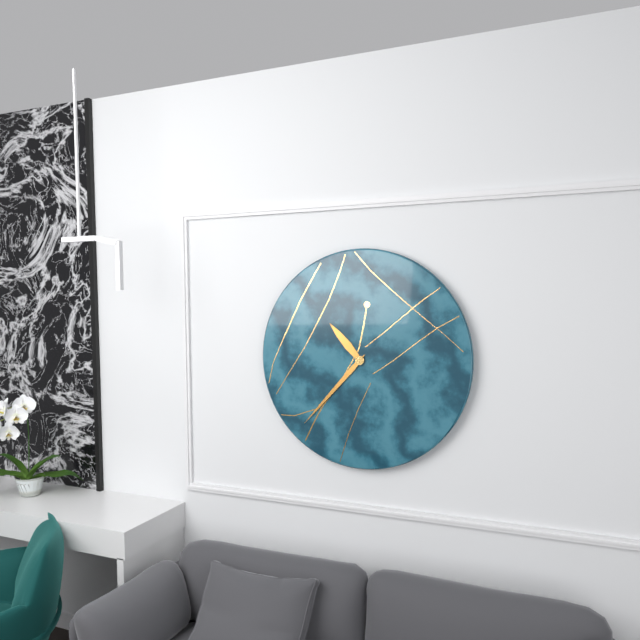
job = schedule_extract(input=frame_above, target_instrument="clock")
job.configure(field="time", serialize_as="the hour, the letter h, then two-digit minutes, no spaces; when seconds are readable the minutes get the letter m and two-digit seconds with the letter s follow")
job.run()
10h37
